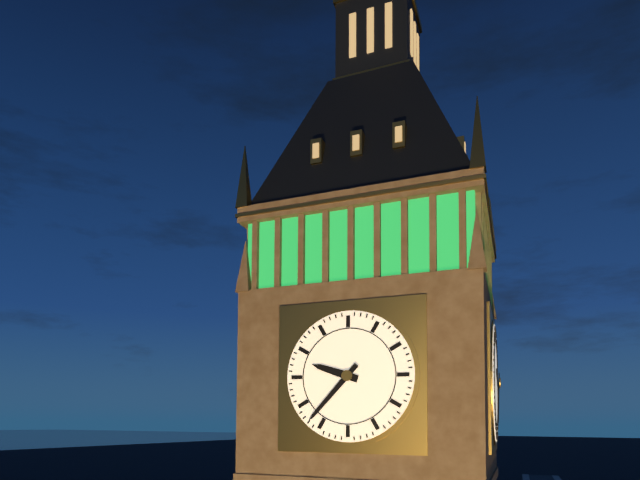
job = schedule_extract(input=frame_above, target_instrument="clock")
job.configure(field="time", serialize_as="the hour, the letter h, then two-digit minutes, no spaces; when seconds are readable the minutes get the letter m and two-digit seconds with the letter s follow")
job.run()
9h37
